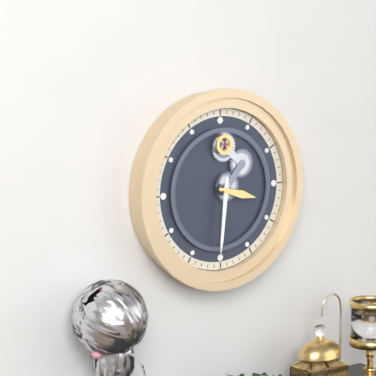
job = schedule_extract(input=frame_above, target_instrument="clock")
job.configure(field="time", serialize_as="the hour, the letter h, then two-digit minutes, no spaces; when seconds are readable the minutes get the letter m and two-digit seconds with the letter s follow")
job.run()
3h31
